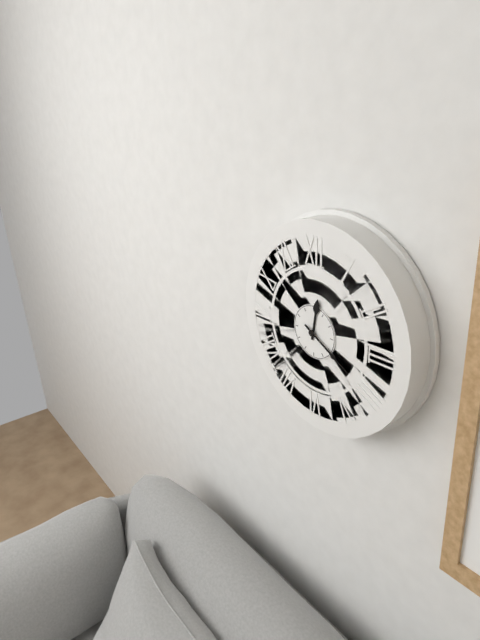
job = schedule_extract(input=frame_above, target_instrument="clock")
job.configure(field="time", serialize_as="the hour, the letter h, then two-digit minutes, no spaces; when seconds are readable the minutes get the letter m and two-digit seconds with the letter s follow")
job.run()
12h20
